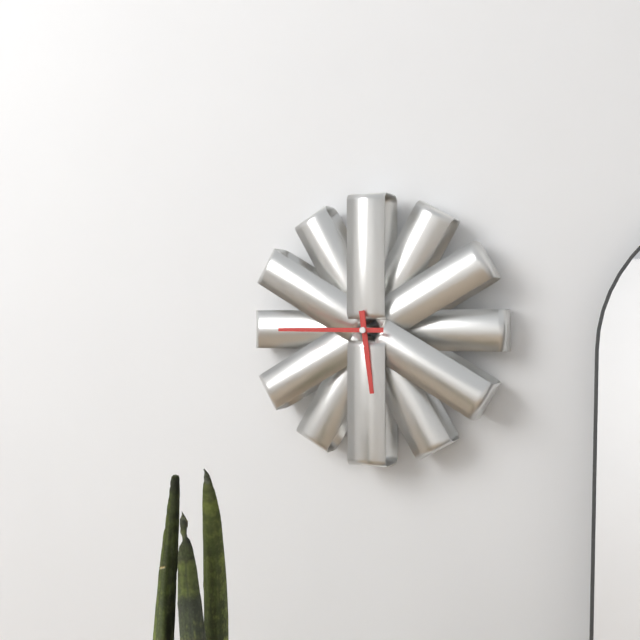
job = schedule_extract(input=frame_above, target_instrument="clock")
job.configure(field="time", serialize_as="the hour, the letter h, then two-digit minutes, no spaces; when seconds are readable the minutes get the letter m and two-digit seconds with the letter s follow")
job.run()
5h45
